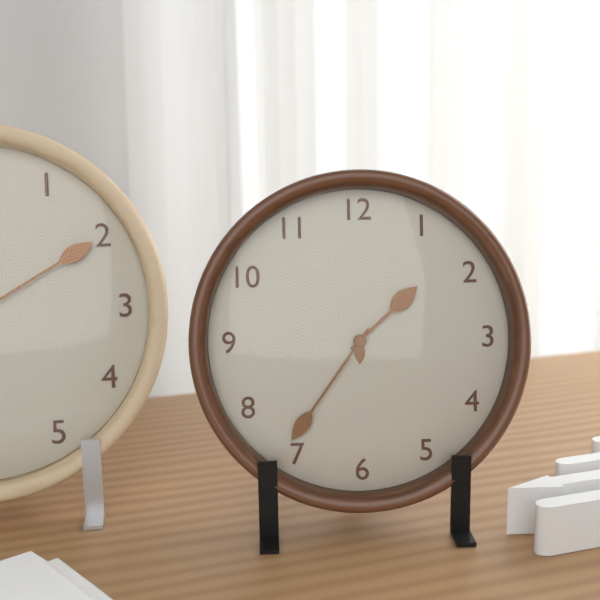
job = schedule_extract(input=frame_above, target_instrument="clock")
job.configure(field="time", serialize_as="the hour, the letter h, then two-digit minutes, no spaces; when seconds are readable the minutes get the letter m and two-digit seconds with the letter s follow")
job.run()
1h36
